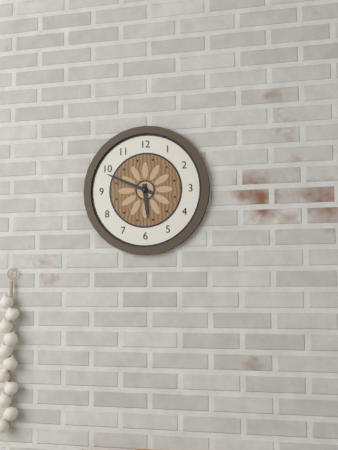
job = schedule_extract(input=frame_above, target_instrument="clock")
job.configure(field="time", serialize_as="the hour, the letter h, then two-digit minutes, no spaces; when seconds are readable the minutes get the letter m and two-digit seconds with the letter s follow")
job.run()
5h49
